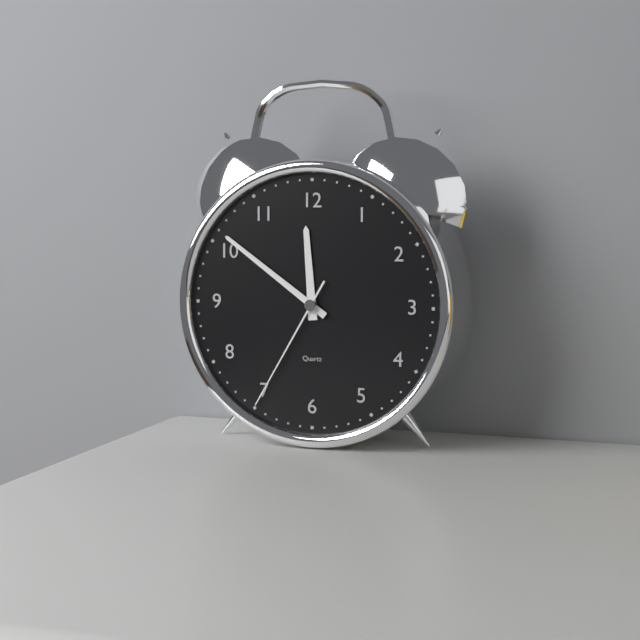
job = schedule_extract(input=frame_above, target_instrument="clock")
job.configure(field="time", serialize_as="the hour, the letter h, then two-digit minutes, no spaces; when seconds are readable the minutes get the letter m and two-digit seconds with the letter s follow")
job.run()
11h51m35s
